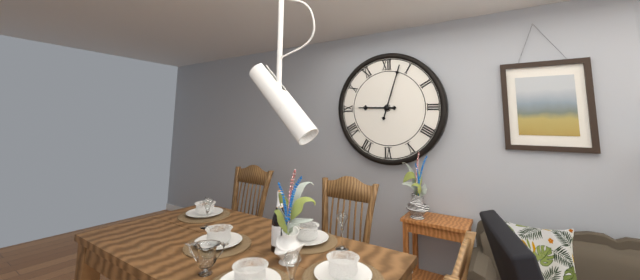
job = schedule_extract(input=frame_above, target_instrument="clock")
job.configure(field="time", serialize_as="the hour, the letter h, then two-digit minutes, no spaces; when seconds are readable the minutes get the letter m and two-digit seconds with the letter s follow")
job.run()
9h03
